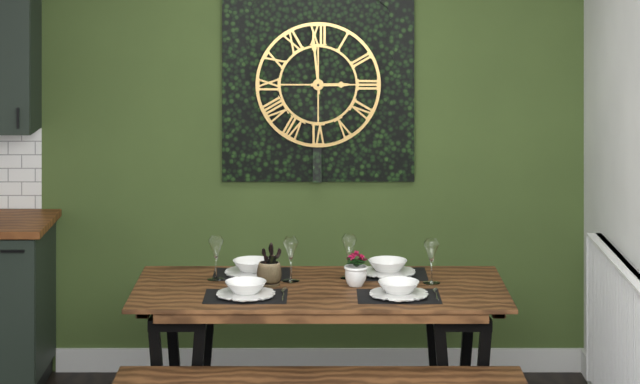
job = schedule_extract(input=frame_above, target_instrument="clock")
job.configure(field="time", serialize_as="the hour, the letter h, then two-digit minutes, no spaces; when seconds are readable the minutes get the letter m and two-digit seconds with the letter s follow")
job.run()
2h59
